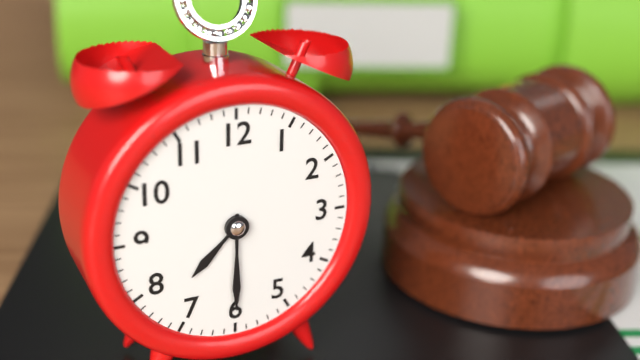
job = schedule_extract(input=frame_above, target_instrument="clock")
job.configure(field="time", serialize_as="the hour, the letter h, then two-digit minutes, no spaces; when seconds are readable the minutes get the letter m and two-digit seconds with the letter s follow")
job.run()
7h30
